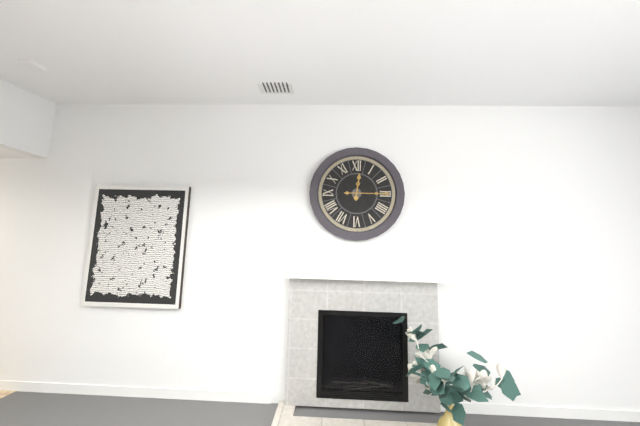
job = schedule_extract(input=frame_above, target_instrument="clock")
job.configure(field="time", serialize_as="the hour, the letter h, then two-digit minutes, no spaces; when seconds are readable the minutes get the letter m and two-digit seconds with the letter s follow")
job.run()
12h15
